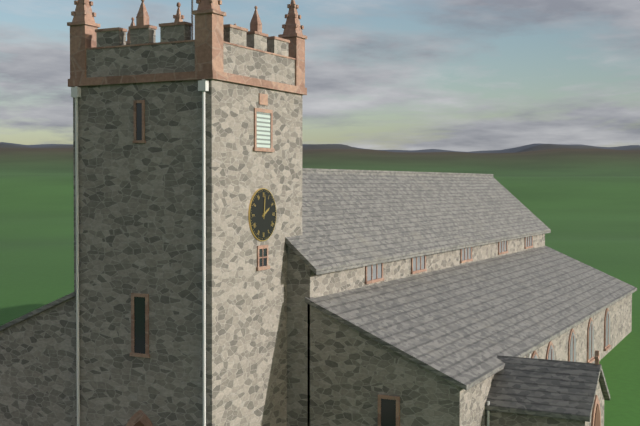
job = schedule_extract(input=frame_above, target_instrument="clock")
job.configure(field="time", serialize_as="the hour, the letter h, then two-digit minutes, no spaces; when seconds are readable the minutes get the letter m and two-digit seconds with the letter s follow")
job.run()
2h01
